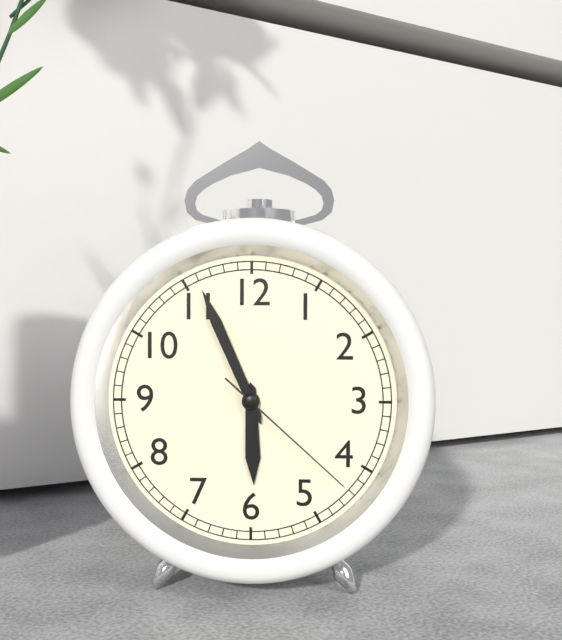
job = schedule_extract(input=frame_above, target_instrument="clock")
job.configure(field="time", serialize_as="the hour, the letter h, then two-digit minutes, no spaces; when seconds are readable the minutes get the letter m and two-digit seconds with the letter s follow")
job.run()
5h56m22s
